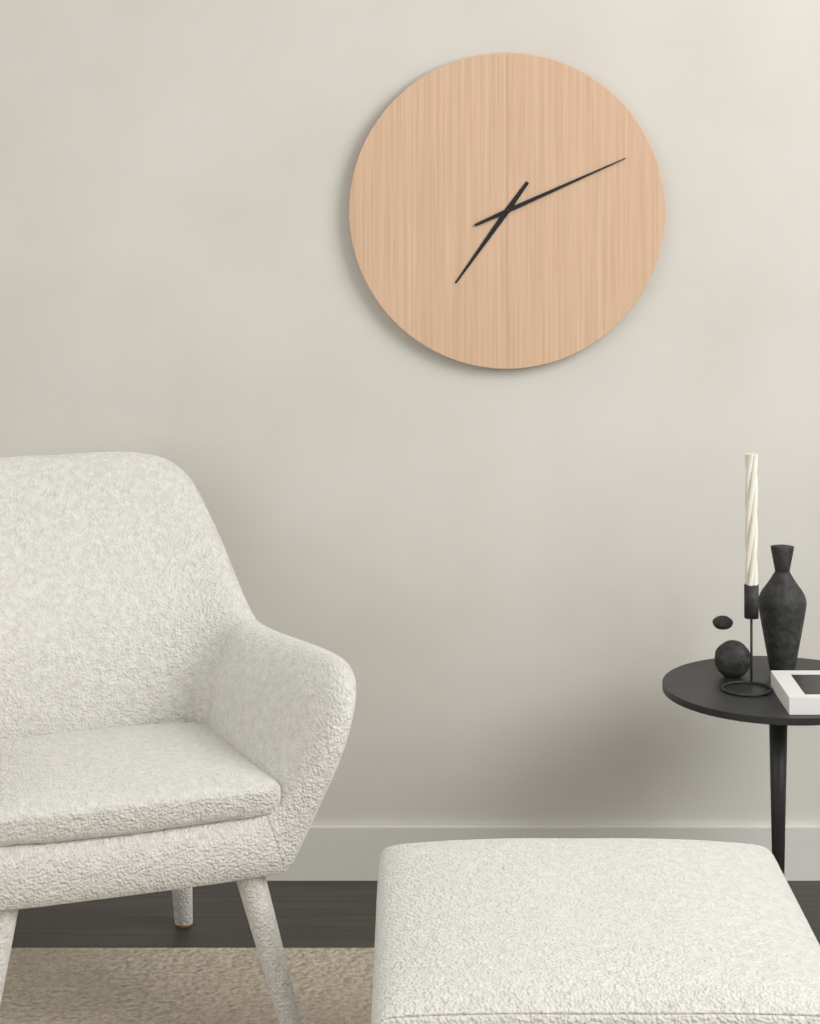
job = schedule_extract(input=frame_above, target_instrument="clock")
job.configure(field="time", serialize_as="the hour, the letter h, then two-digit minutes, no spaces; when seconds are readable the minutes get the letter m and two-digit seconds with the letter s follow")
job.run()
7h11
